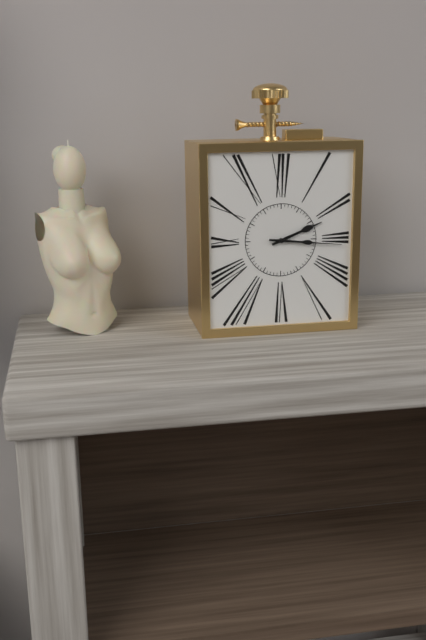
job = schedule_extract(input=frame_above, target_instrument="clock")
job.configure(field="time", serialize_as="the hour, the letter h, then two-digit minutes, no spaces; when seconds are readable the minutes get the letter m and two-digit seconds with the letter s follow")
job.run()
2h16
